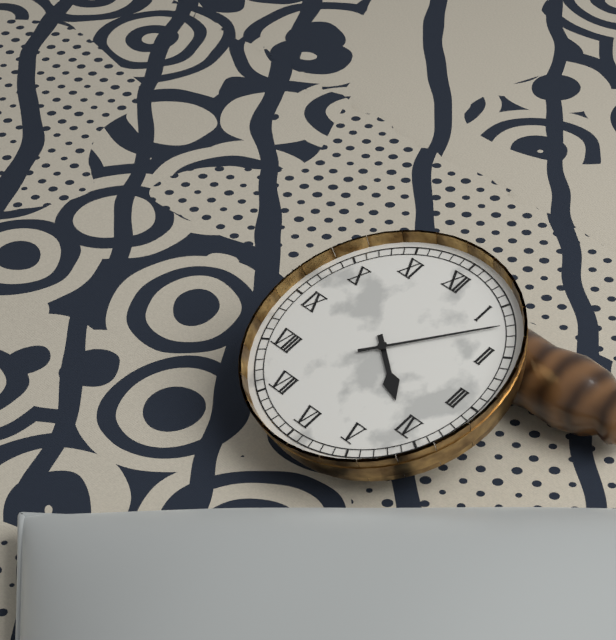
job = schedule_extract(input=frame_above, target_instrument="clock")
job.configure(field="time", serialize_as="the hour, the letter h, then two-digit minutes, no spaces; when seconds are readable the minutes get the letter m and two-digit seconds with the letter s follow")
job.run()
4h07
